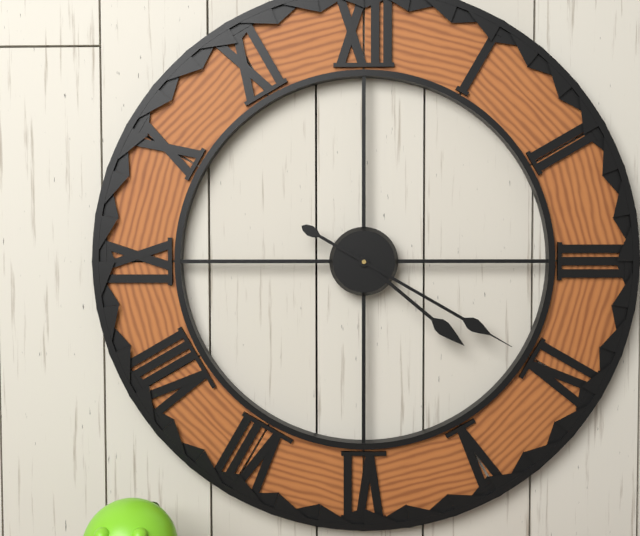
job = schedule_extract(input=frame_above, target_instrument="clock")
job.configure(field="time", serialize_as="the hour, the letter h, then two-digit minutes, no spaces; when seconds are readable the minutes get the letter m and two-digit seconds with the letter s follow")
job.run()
4h20
